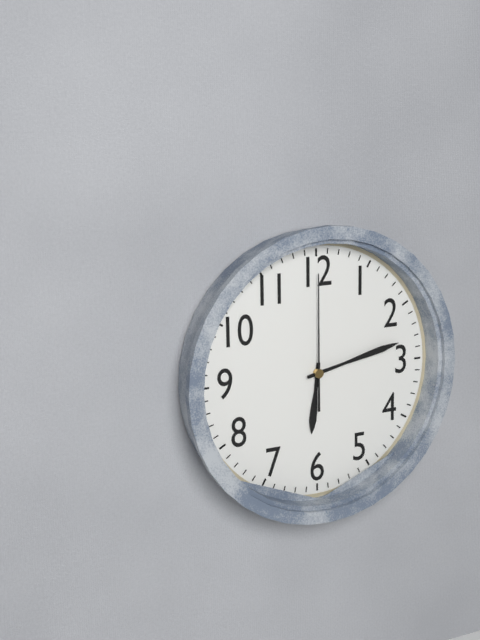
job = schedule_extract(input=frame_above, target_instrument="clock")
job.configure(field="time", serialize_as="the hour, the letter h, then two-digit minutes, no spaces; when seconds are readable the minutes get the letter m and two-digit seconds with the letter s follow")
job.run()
6h13m00s
